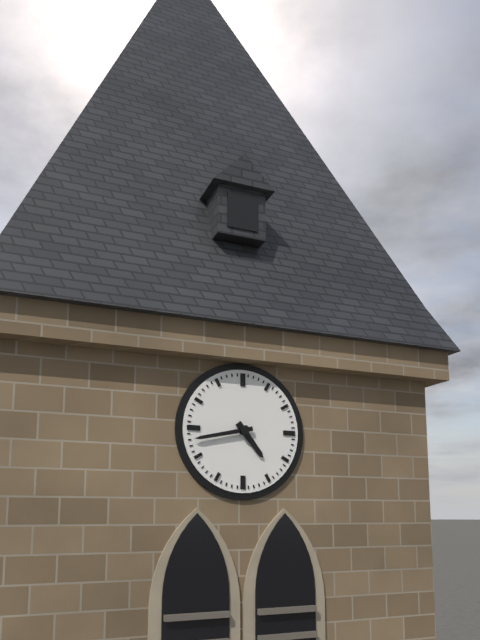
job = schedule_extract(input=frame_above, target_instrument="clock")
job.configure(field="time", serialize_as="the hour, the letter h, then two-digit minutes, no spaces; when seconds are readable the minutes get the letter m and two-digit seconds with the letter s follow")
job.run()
4h43
